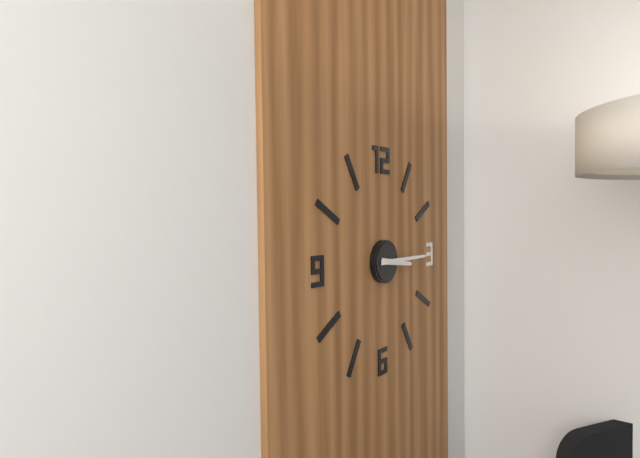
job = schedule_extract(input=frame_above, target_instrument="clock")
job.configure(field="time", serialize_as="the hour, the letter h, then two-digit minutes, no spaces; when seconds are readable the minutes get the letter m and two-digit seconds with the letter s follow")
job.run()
3h15
